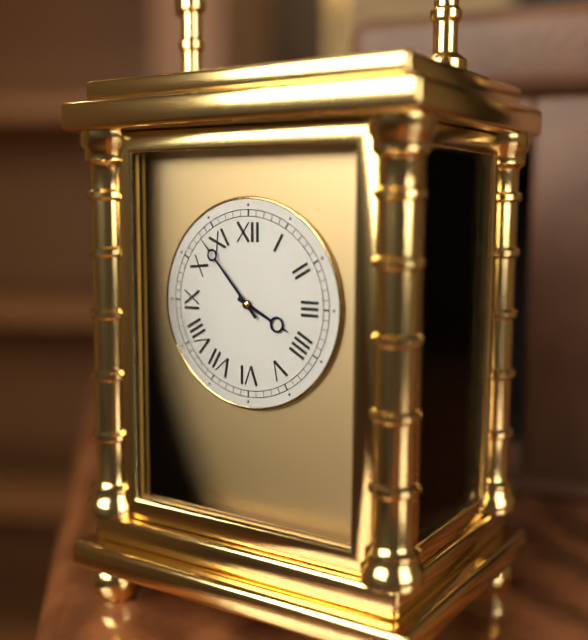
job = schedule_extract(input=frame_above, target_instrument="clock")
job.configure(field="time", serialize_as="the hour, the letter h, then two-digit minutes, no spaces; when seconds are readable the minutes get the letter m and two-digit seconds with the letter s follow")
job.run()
3h53
